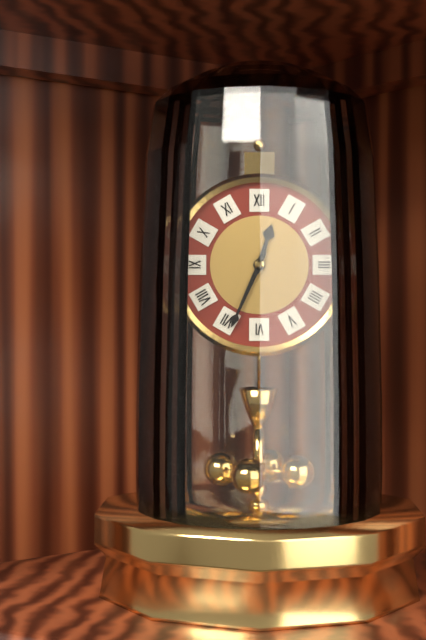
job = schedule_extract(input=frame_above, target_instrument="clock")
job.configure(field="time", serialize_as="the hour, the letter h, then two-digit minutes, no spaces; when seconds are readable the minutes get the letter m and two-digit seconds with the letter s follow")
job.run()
12h34
